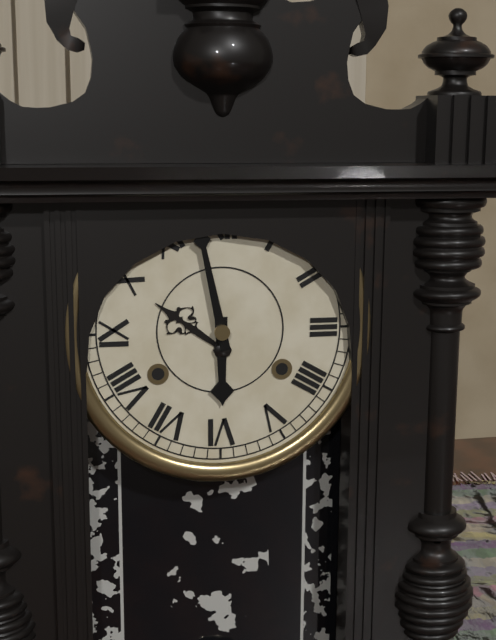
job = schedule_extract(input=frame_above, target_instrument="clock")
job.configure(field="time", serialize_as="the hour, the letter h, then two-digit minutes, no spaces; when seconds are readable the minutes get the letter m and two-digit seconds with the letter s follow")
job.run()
5h58
